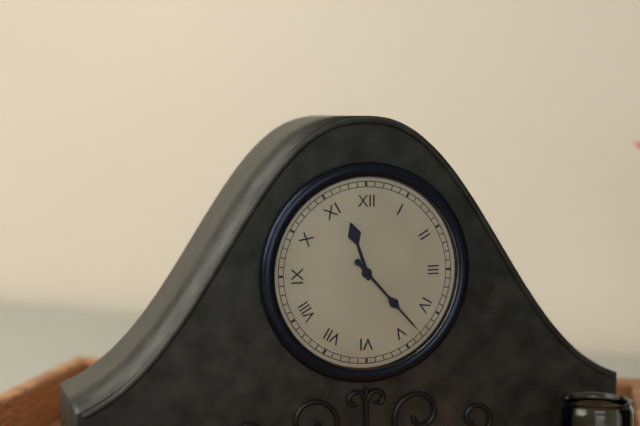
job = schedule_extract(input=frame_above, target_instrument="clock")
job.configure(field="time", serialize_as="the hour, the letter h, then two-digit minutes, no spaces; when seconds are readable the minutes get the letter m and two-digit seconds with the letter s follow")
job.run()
11h23
